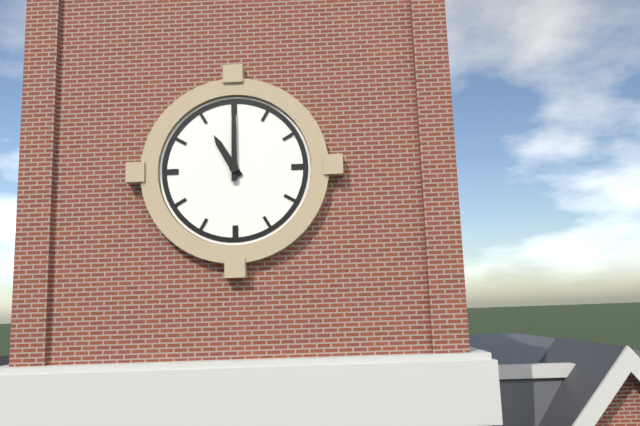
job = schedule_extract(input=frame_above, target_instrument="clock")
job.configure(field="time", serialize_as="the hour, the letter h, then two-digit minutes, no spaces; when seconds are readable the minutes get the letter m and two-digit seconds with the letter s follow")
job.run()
11h00
